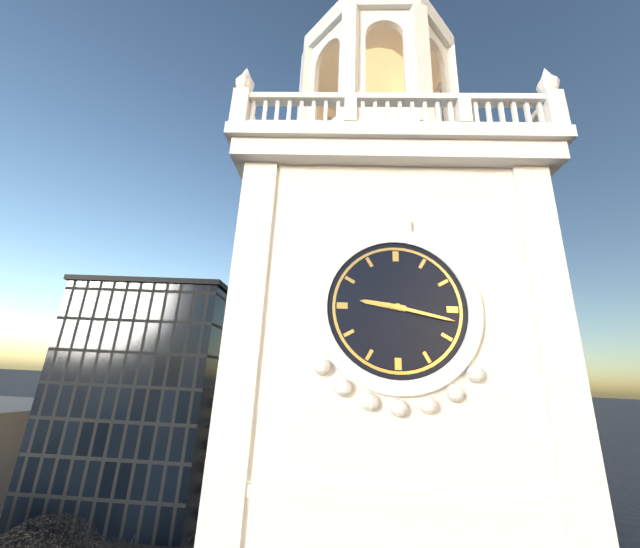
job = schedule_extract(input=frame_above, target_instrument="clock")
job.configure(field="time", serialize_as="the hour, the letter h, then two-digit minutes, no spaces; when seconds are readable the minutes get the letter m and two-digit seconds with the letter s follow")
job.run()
9h17
